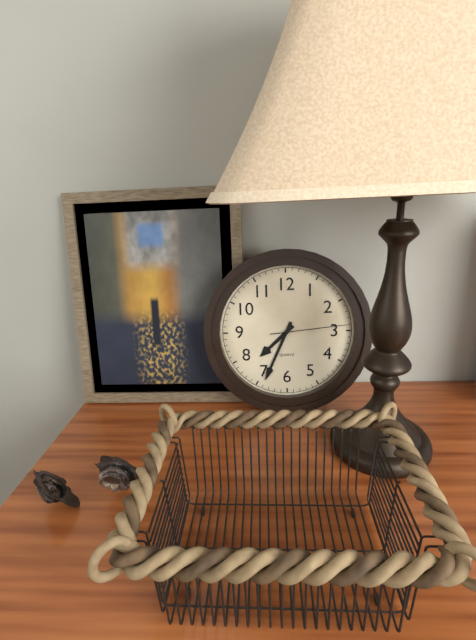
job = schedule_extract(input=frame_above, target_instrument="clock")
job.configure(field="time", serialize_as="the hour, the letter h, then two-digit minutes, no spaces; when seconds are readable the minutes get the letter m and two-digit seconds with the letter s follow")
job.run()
7h34m14s
